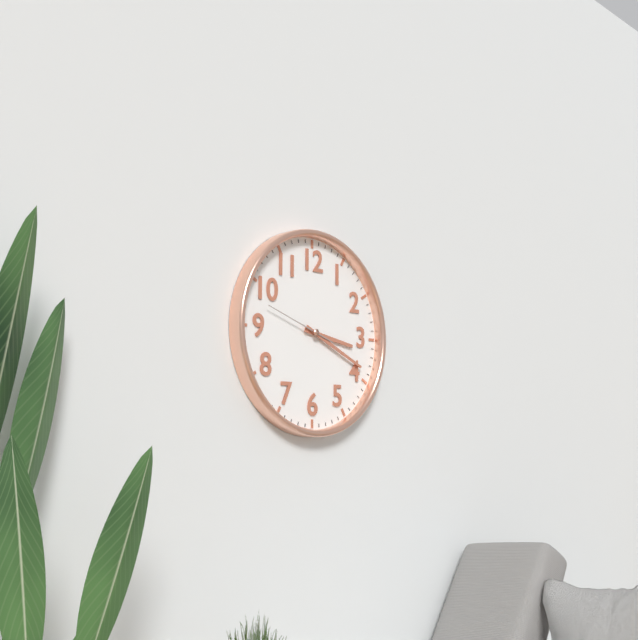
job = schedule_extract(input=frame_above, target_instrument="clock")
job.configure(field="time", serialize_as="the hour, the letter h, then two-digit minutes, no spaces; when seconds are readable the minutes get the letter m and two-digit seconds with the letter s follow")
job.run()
3h19m48s
